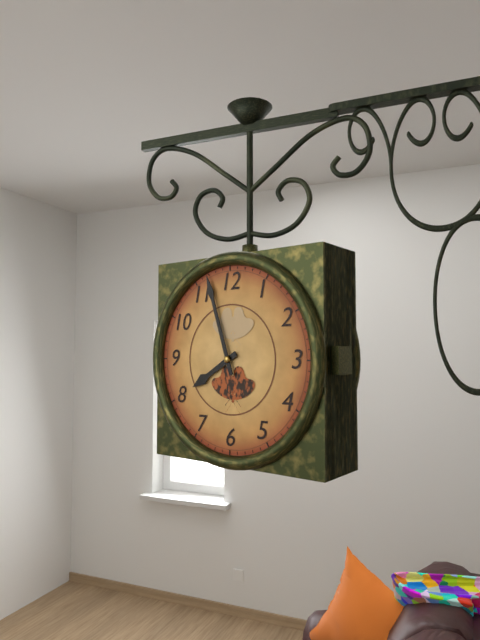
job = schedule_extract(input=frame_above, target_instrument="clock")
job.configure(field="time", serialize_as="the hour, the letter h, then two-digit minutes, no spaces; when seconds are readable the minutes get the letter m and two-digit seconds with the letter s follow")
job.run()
7h57
